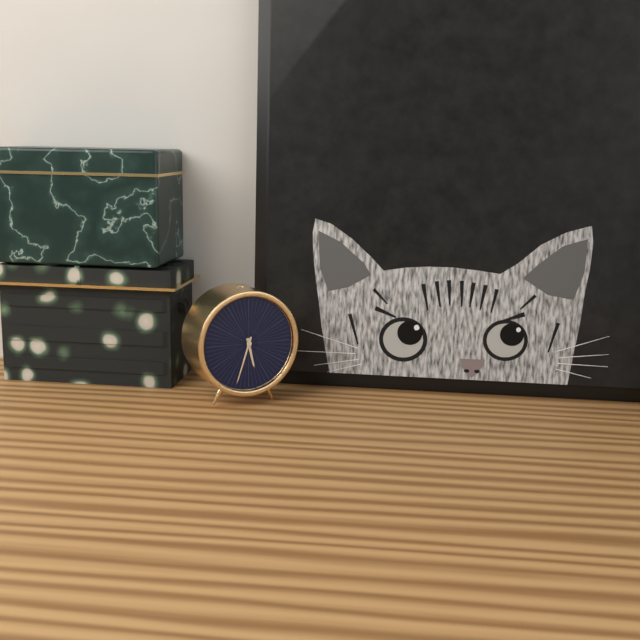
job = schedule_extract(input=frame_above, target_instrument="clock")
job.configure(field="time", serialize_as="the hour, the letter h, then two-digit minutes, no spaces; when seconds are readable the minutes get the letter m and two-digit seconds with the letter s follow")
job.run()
5h33
